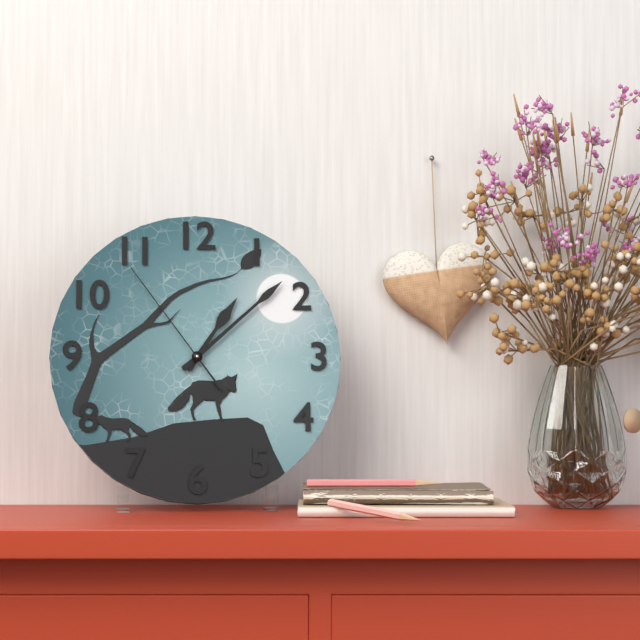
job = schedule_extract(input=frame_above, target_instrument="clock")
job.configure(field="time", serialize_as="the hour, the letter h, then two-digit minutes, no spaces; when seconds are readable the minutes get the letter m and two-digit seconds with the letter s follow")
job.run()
1h08m54s
